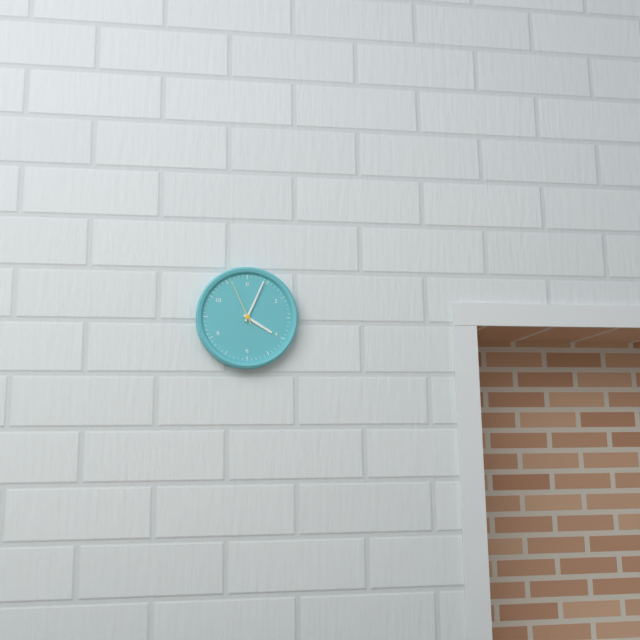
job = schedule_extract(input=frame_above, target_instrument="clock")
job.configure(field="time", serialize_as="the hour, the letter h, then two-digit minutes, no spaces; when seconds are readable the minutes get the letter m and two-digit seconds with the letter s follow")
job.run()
4h04m56s
